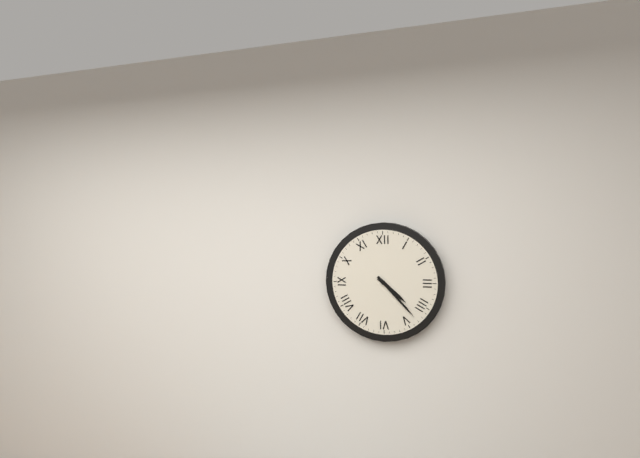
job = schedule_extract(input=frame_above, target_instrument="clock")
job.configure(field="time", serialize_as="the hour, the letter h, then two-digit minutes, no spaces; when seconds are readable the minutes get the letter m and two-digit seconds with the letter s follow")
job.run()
4h23
